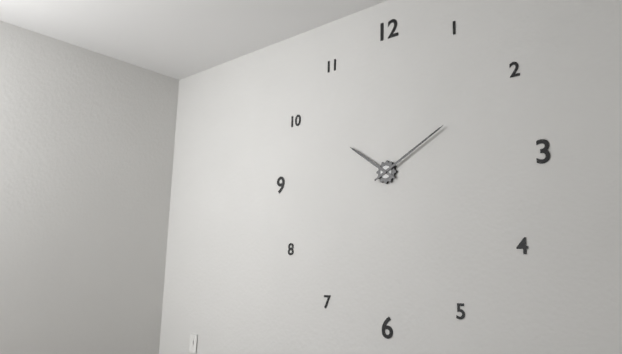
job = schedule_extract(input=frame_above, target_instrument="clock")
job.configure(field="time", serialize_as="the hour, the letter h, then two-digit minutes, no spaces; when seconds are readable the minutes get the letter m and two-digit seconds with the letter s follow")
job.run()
10h10
